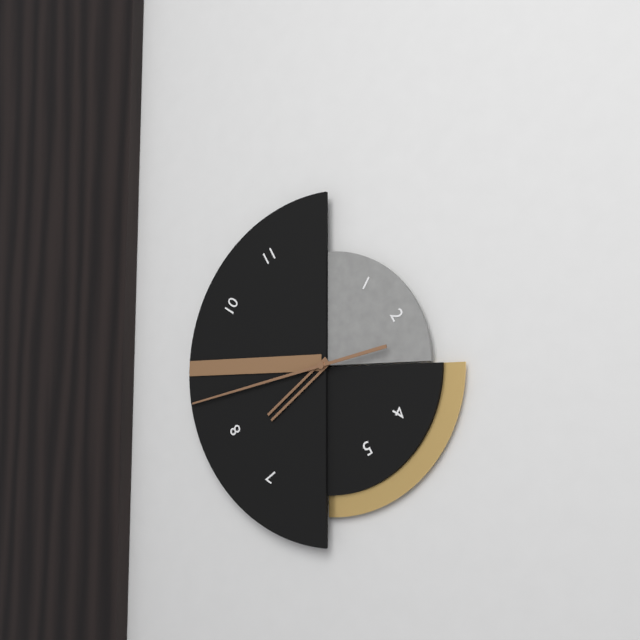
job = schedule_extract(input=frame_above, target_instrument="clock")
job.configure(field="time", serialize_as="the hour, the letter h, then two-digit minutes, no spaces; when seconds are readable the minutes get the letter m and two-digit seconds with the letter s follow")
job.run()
7h43
